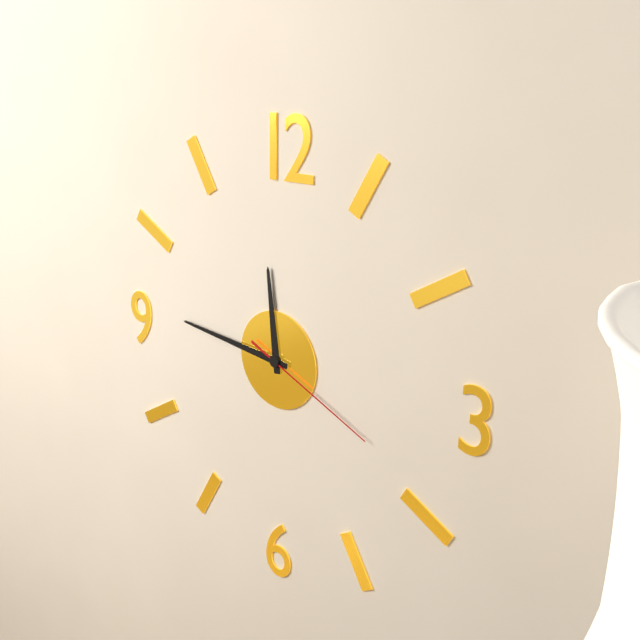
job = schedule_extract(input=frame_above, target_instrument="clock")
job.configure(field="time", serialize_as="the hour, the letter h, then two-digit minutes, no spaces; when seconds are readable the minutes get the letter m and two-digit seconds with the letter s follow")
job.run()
11h46m19s
